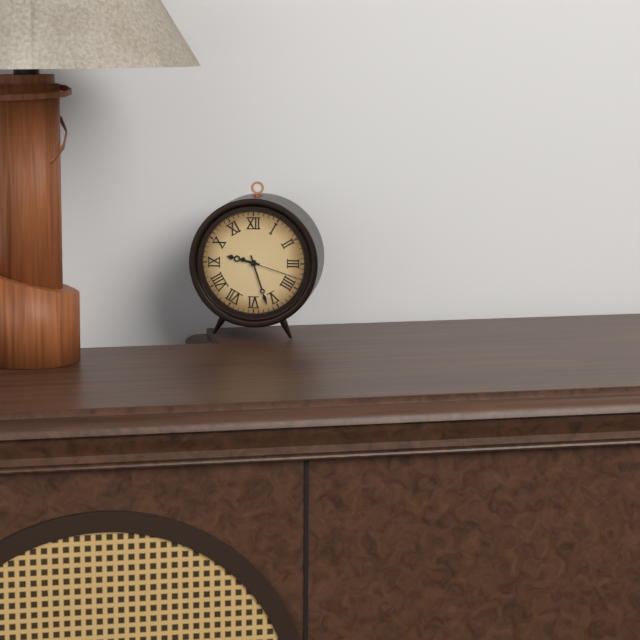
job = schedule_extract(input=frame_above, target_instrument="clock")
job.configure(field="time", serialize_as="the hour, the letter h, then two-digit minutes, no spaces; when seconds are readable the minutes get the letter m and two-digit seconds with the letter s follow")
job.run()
9h27m18s
